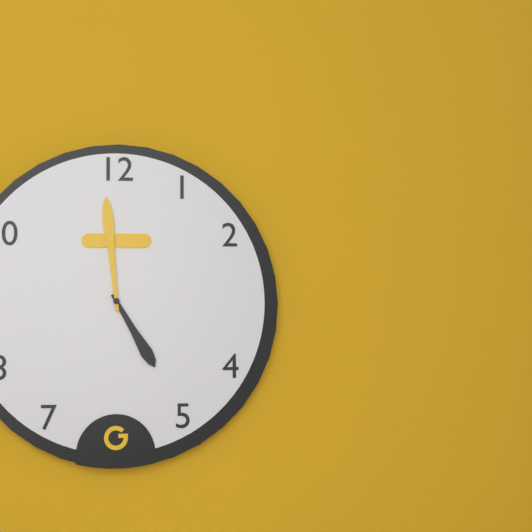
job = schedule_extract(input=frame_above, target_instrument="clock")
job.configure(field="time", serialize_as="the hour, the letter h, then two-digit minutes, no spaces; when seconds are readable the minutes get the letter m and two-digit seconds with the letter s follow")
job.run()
4h59
